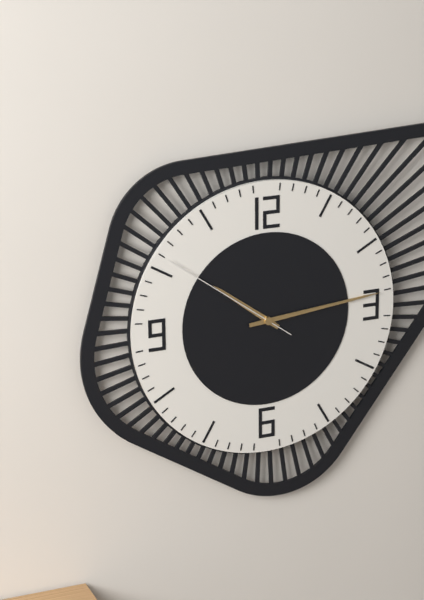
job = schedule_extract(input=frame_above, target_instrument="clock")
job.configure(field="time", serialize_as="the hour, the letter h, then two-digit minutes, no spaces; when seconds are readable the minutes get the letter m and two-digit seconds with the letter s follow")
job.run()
10h14m51s
